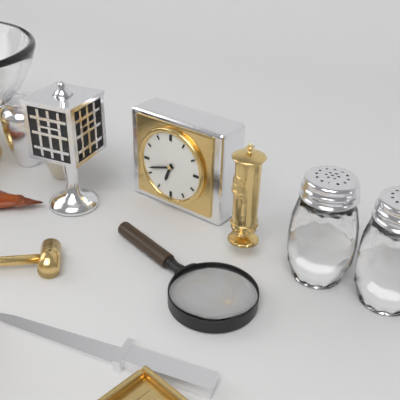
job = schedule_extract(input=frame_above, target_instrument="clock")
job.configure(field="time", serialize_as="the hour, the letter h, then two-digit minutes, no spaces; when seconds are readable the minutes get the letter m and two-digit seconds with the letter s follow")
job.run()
6h42
